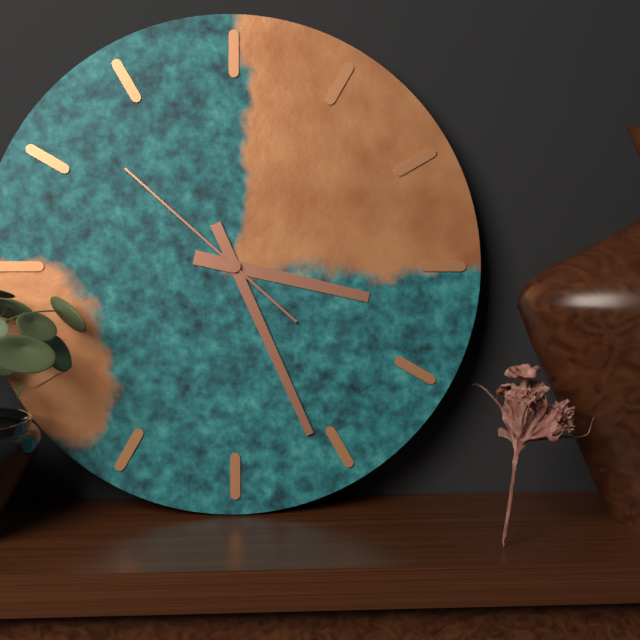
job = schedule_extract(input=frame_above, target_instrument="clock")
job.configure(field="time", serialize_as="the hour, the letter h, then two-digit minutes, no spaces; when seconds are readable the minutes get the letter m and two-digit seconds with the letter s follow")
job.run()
3h26m52s
